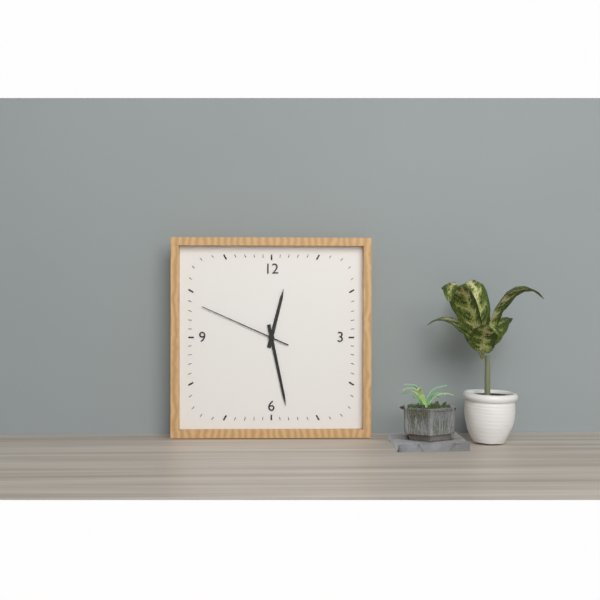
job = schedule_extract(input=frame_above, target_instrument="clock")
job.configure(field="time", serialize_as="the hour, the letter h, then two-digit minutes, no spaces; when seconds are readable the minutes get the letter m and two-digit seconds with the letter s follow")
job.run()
12h28m49s
